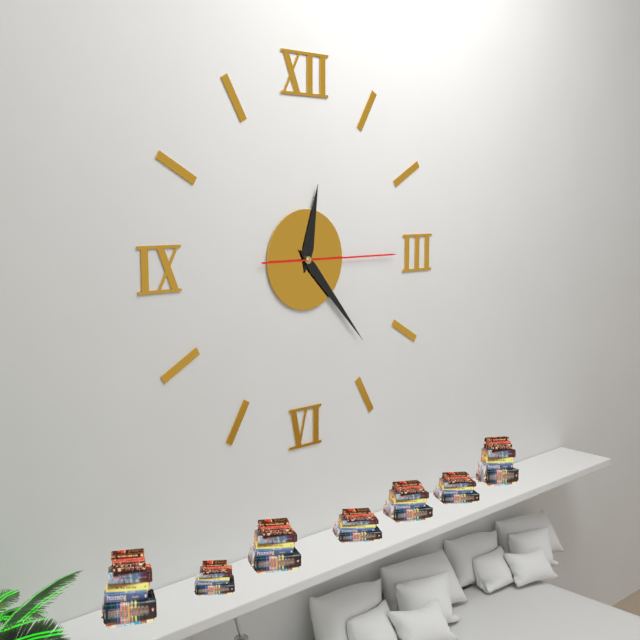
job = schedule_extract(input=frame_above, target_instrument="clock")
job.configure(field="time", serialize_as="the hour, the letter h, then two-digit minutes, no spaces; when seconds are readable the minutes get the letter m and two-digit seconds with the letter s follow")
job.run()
12h23m15s
